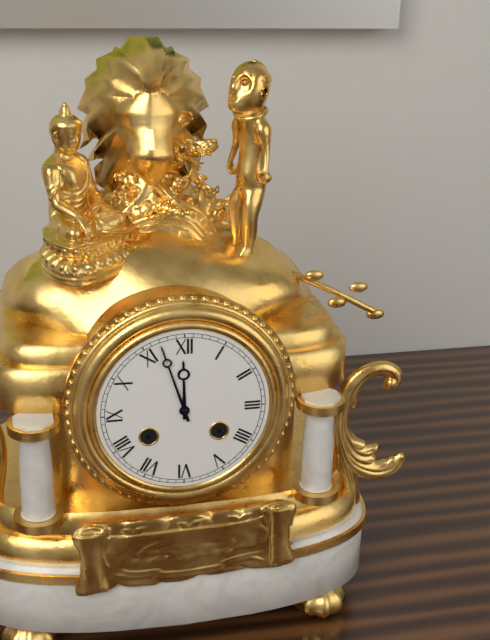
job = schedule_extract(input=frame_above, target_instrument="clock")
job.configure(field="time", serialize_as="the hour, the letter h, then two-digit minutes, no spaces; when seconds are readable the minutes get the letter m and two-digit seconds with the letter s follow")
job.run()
11h57
